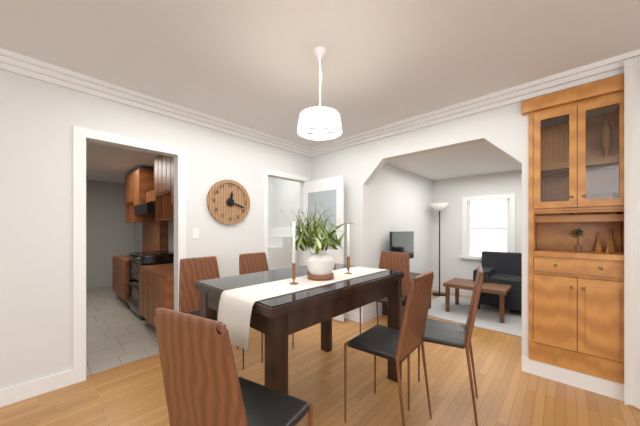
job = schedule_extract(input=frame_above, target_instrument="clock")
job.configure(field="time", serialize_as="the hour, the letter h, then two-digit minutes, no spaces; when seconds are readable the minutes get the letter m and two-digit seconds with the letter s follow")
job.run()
12h18
